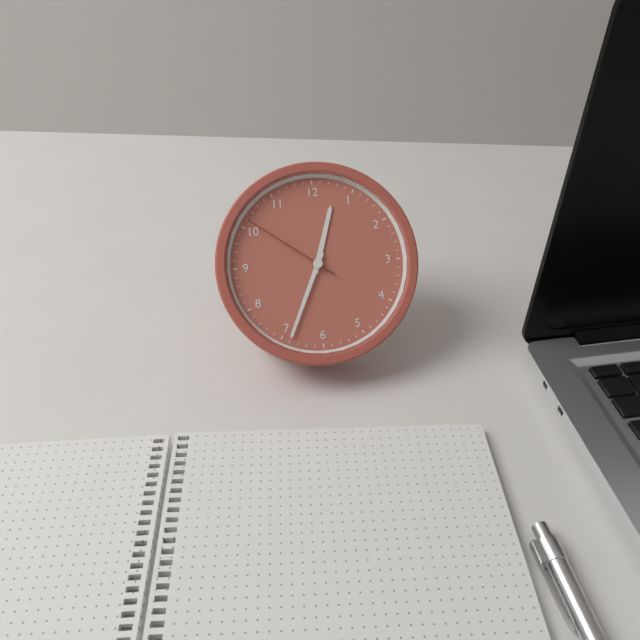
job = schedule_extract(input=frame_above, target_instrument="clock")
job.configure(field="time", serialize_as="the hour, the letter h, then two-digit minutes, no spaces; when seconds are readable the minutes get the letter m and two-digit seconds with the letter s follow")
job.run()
12h34m51s
